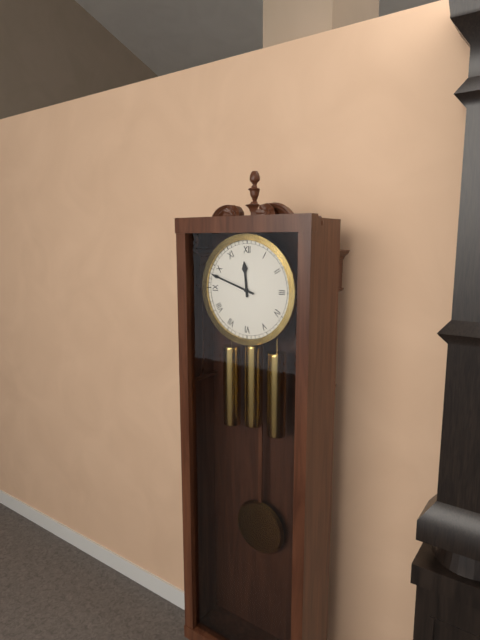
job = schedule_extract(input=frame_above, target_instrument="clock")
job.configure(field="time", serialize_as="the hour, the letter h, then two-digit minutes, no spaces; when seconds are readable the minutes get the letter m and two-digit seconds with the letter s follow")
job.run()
11h48
